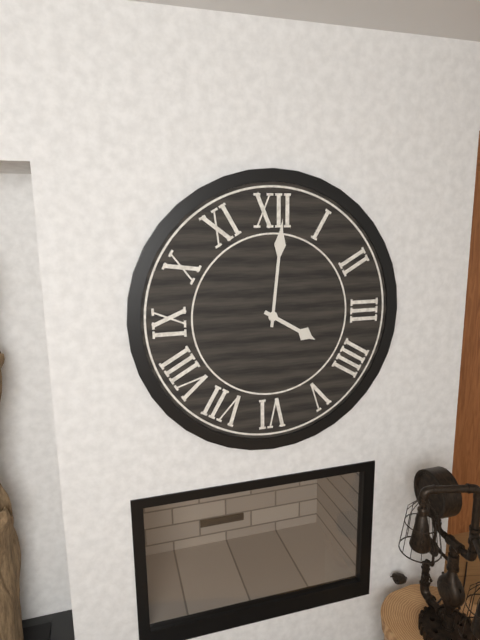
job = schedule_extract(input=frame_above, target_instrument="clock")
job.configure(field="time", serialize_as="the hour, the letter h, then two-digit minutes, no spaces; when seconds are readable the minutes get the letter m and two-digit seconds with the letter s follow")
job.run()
4h01
